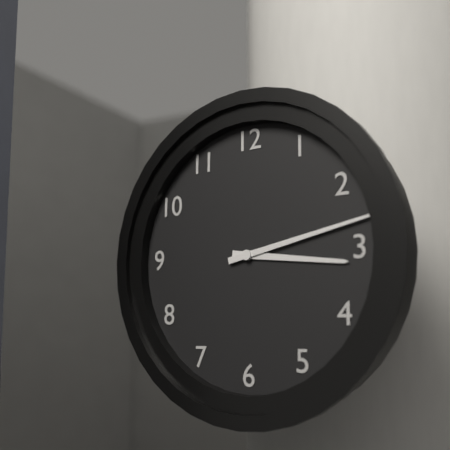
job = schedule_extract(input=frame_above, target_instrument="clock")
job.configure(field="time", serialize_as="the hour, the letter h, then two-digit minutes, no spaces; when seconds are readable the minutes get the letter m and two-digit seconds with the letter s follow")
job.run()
3h13
